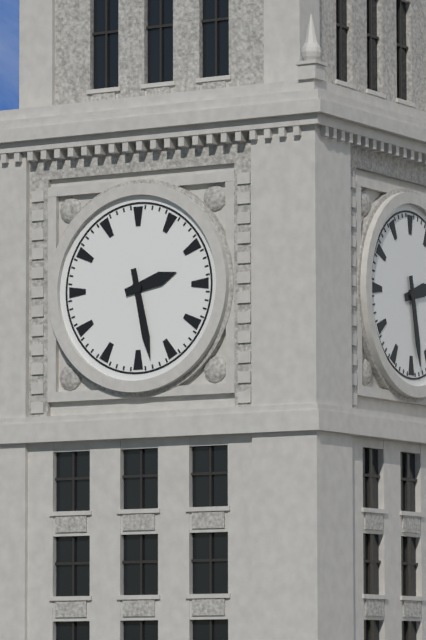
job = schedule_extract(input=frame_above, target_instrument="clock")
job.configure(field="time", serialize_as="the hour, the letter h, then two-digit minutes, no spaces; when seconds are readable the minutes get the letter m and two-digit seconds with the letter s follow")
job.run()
2h28
